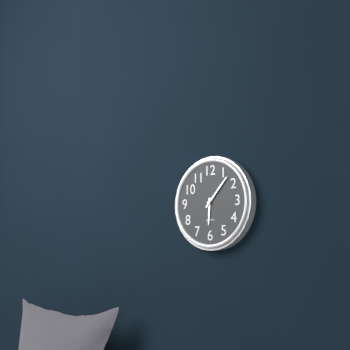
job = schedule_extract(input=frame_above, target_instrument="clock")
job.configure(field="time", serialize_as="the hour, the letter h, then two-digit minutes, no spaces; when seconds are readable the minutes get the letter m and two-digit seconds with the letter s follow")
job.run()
6h07
